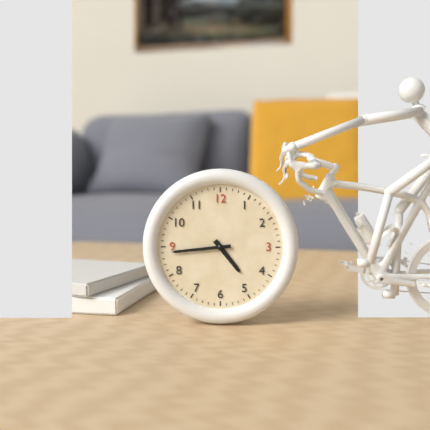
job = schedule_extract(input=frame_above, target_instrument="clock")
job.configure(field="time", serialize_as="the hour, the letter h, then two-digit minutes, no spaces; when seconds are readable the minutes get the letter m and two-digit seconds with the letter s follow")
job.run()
4h44
